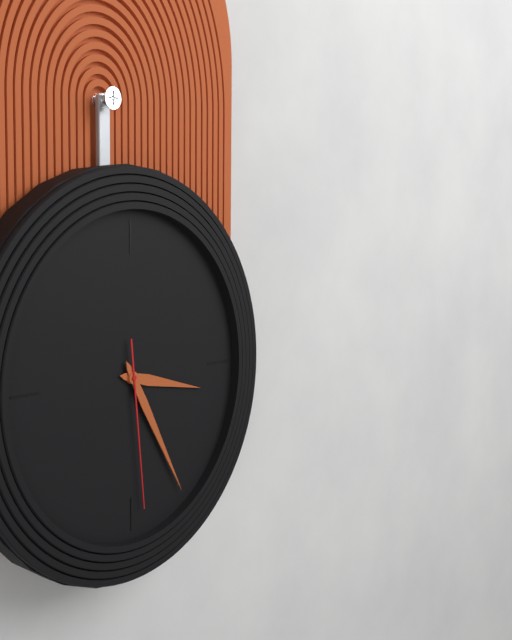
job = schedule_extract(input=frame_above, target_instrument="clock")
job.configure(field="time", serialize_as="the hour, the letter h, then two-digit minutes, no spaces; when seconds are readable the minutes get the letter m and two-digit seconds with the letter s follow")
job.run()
3h25m29s
